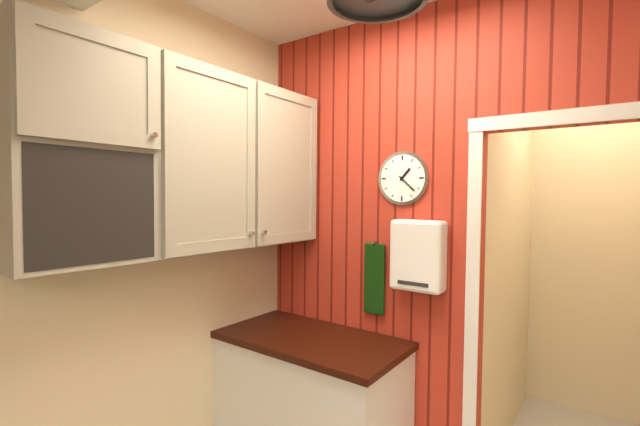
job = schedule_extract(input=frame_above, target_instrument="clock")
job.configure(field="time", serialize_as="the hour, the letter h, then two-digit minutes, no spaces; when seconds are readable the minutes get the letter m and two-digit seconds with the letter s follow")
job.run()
1h22
